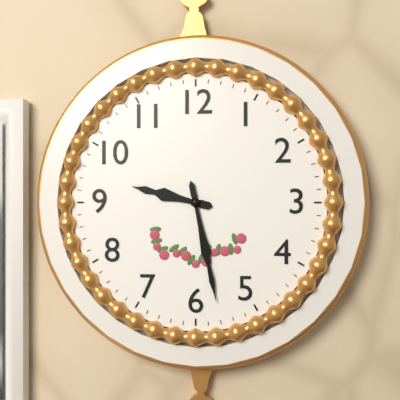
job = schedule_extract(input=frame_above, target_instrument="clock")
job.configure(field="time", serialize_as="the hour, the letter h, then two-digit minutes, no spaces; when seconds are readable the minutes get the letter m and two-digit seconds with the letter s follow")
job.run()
9h28
